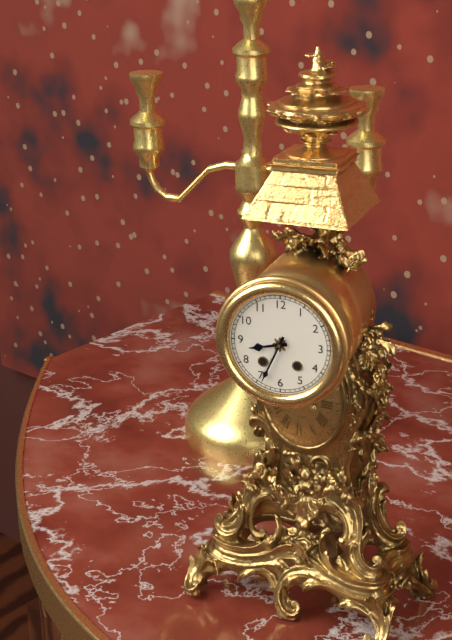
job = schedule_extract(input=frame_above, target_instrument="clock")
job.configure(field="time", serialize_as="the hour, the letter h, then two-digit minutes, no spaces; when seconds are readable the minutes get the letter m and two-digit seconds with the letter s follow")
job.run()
8h34
